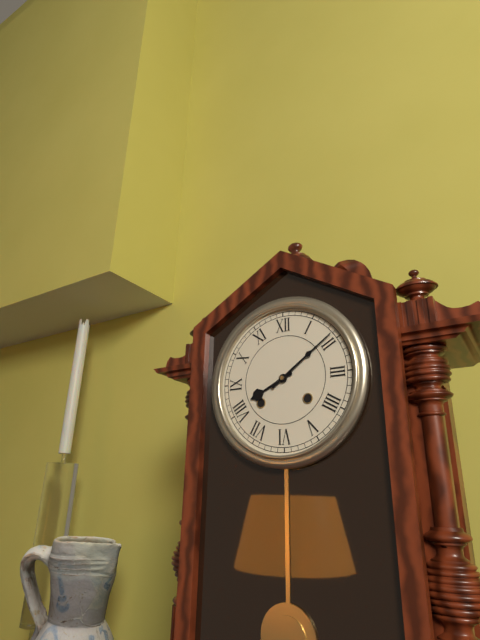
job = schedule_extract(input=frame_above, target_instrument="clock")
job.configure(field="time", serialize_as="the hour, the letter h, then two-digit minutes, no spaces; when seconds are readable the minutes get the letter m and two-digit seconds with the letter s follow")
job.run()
8h09
